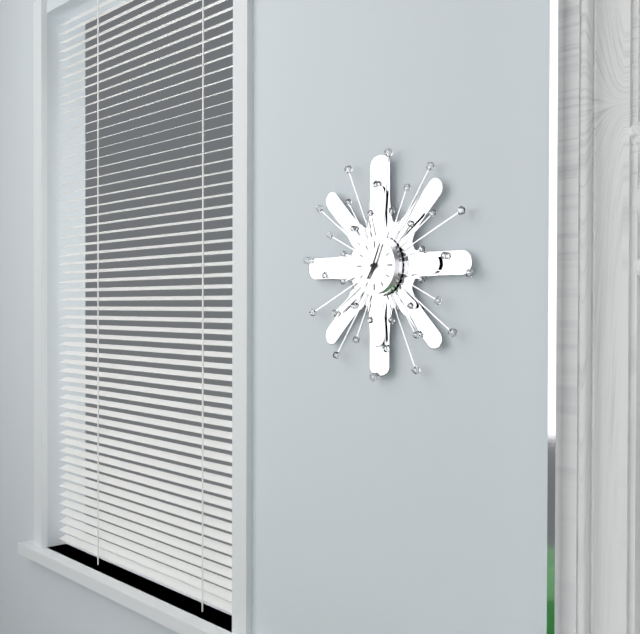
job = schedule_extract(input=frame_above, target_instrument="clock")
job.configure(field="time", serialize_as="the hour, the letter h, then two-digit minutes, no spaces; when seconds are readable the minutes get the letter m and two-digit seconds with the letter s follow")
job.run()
7h04
